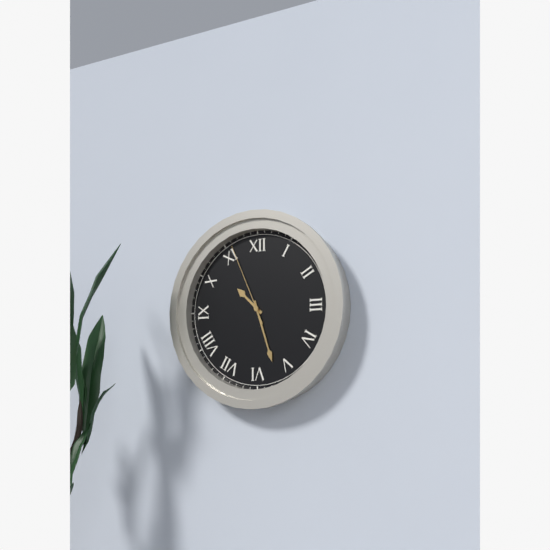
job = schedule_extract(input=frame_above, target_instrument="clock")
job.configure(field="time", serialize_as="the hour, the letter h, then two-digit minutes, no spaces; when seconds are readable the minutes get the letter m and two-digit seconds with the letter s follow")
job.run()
10h27m56s
